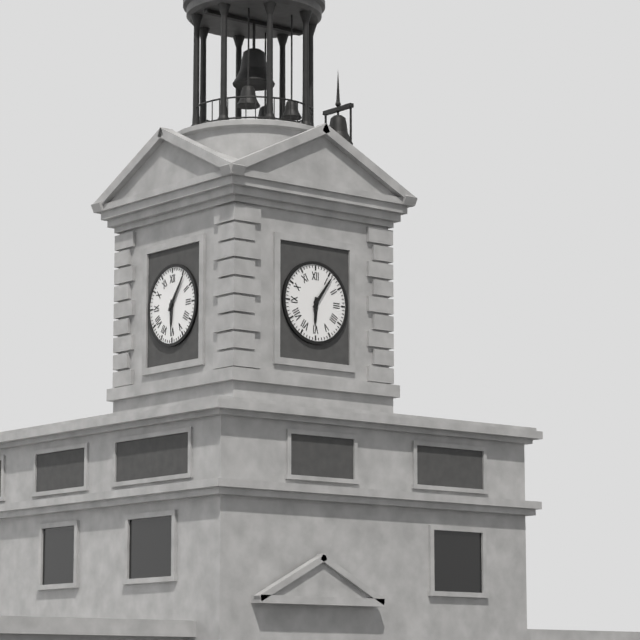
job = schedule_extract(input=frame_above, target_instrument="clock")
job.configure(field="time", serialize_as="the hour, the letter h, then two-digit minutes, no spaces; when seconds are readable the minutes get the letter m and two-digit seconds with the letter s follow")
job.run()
6h06
